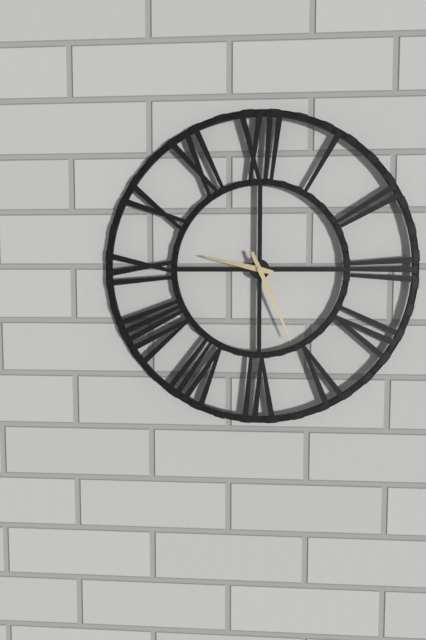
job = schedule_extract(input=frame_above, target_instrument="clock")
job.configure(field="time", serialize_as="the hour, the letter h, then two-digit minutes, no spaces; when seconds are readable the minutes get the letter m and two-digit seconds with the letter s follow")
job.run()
9h26
